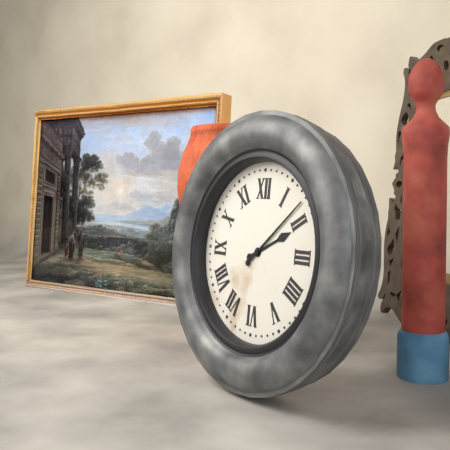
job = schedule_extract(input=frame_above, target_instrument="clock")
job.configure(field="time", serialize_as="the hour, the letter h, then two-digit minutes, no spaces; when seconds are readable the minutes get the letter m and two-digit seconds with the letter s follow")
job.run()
2h08
